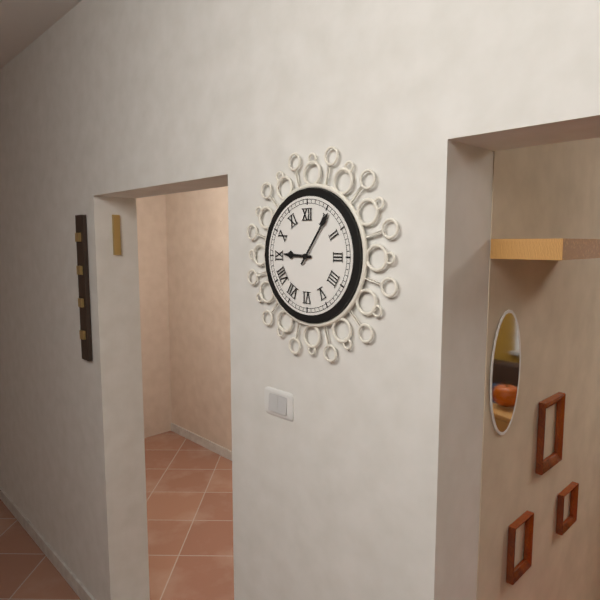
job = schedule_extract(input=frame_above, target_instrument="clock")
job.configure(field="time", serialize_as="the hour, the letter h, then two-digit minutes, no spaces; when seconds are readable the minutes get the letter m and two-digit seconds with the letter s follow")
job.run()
9h06
